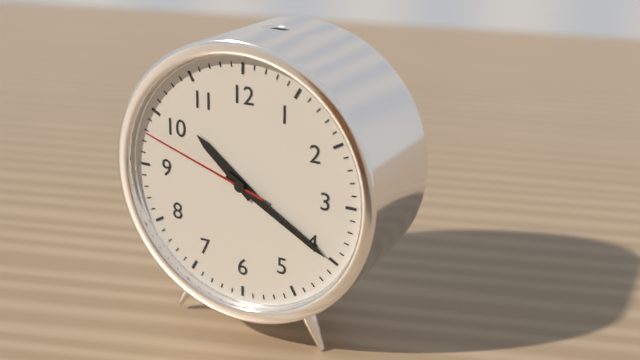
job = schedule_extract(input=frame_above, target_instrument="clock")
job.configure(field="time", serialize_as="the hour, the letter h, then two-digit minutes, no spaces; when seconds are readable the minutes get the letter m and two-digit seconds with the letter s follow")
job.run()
10h20m48s
